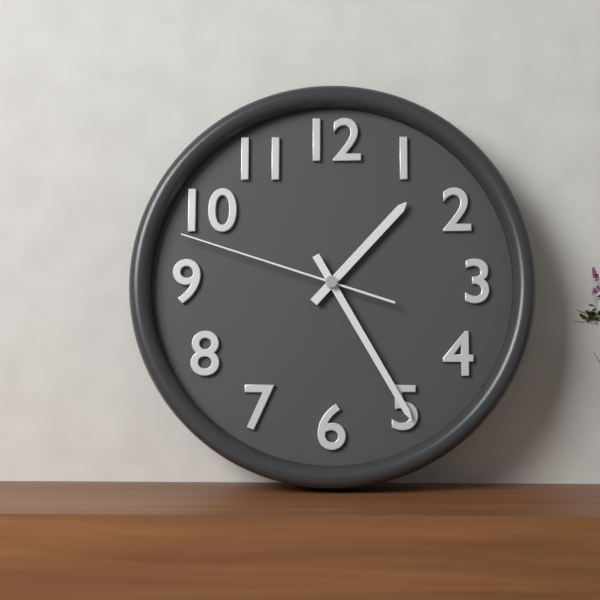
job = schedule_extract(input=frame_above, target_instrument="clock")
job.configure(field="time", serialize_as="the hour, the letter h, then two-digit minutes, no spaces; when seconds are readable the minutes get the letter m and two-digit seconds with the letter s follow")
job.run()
1h25m48s
